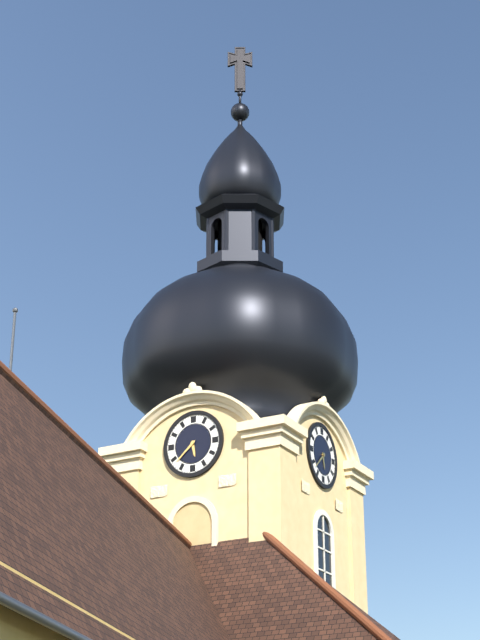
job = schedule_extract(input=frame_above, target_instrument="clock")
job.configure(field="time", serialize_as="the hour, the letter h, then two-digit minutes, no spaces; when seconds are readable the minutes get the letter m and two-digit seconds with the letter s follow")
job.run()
5h38
